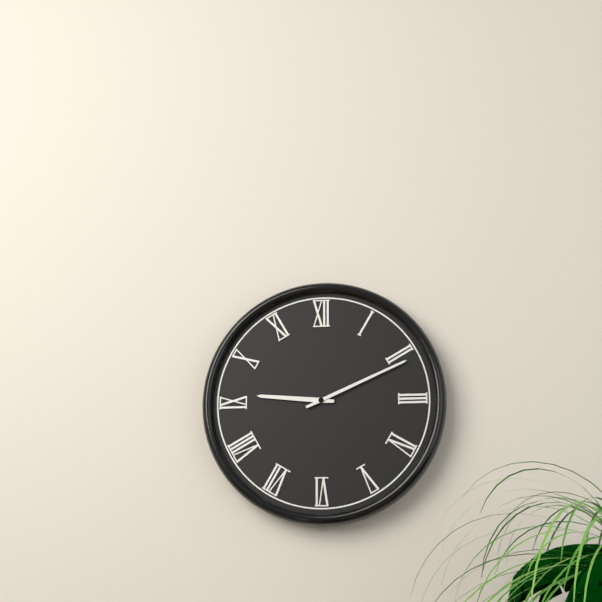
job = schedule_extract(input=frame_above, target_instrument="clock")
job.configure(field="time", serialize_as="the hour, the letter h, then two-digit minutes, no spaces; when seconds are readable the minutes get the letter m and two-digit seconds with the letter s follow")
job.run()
9h11
